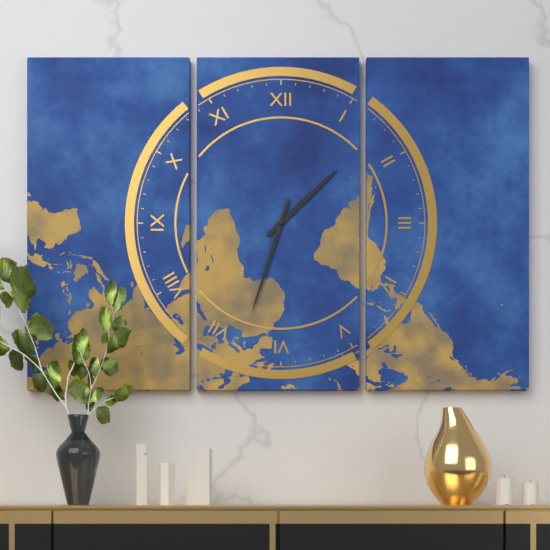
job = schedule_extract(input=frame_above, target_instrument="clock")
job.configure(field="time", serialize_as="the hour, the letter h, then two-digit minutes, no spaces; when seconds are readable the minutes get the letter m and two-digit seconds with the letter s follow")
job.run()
1h33
